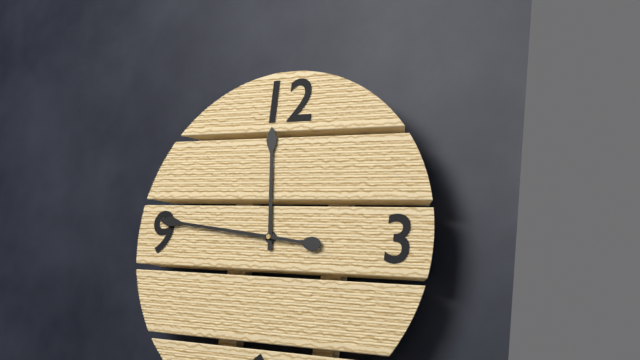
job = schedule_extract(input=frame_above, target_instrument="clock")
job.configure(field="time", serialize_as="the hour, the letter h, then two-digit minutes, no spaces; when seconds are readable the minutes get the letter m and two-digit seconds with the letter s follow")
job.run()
11h46
